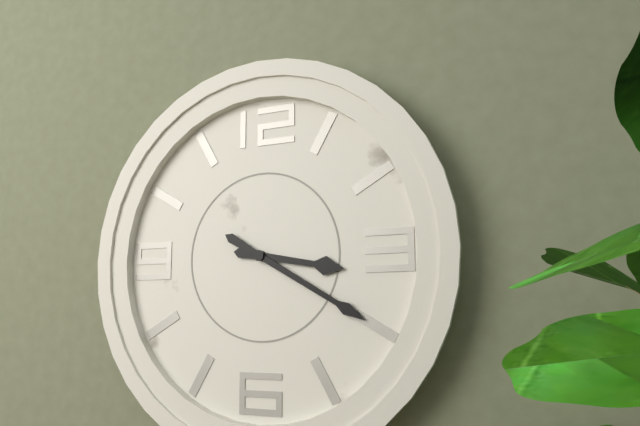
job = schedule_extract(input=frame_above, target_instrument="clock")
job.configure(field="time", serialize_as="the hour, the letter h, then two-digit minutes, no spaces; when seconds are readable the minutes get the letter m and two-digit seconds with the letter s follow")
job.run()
3h20
